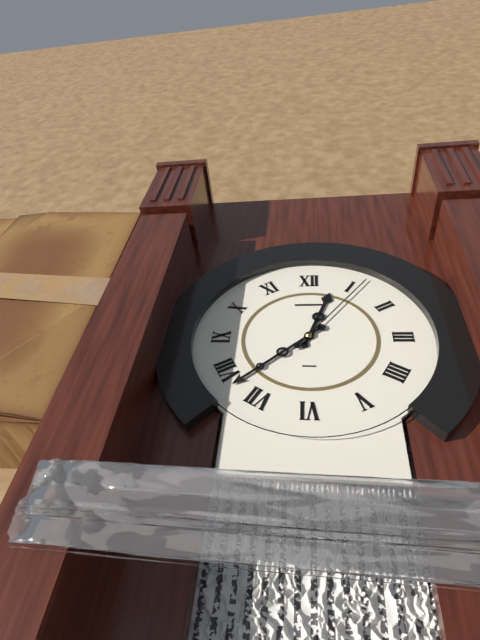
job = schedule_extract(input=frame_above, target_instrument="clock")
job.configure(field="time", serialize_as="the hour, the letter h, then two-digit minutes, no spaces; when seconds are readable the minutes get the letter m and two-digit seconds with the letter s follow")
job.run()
12h38m06s
